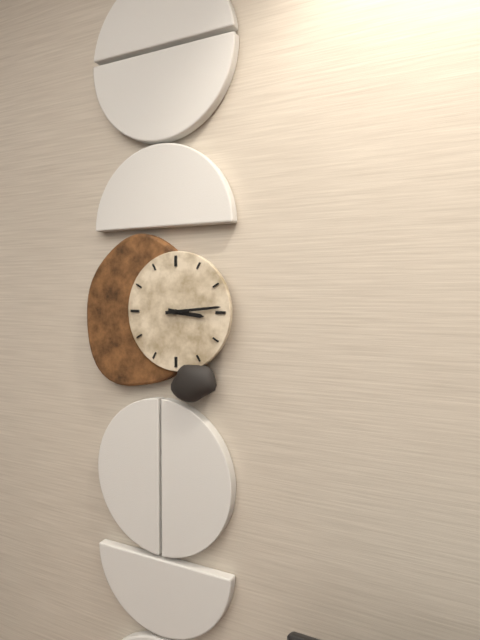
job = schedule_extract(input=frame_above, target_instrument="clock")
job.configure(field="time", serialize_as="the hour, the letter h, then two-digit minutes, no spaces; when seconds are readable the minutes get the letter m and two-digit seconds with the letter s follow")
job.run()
3h14
